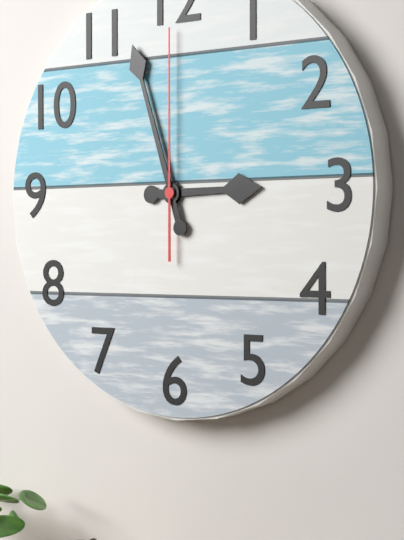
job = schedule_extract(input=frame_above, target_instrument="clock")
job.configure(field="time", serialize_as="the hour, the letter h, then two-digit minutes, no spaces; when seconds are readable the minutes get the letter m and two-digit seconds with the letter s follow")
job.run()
2h57m00s
